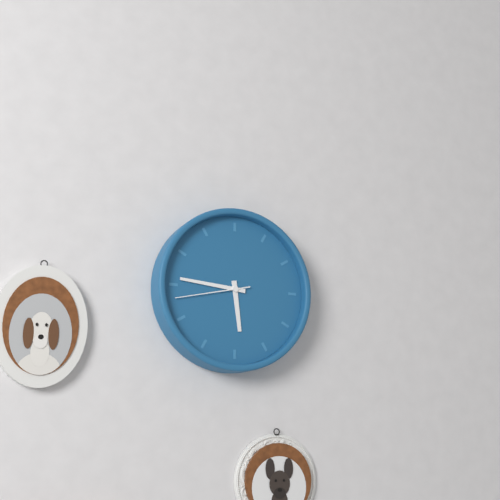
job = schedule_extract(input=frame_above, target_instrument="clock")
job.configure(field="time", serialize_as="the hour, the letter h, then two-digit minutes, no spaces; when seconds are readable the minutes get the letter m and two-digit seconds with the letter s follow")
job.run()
5h46m43s
